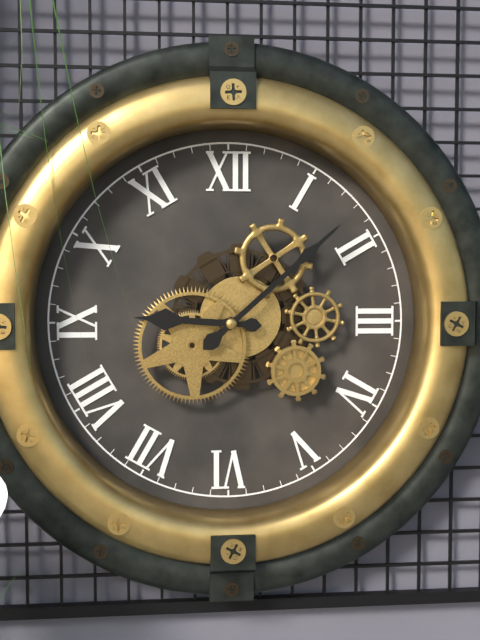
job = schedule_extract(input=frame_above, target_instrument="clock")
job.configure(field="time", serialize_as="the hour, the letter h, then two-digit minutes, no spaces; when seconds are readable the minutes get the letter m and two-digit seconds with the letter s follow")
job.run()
9h08
